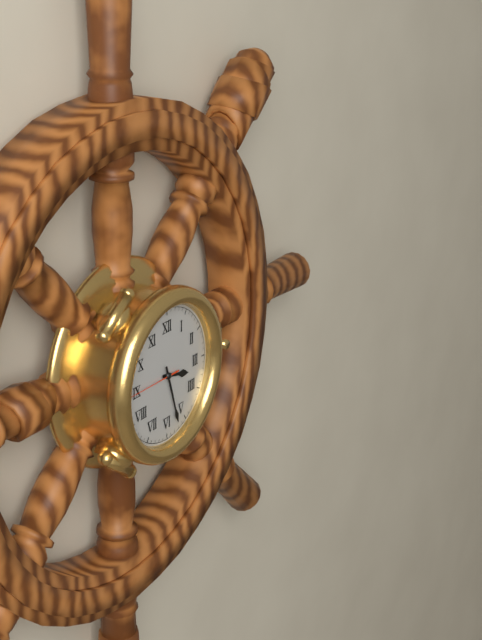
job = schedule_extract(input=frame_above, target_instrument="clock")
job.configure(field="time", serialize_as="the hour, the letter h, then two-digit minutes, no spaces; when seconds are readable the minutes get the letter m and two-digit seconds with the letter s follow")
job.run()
3h27m45s
